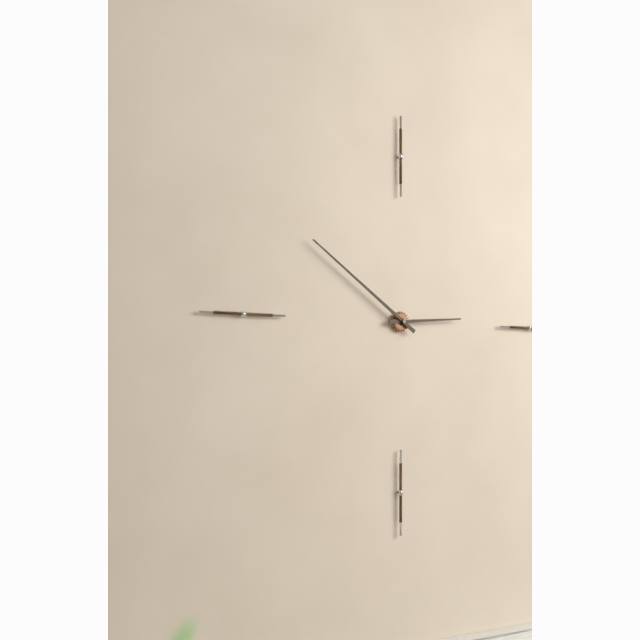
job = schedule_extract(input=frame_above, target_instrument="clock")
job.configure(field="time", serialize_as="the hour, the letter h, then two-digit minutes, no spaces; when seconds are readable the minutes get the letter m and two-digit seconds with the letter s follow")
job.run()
2h51
